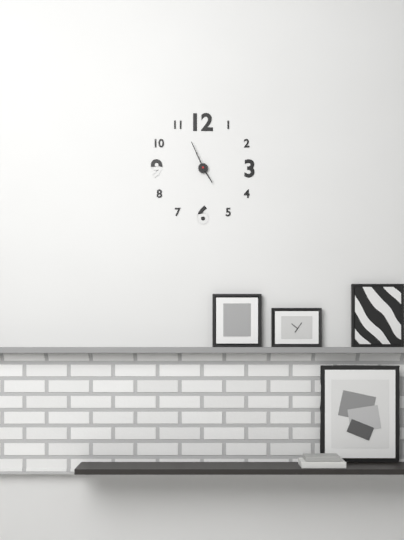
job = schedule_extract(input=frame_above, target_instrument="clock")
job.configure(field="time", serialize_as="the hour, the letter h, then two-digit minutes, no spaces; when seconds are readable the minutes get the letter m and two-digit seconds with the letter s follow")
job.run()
4h56
